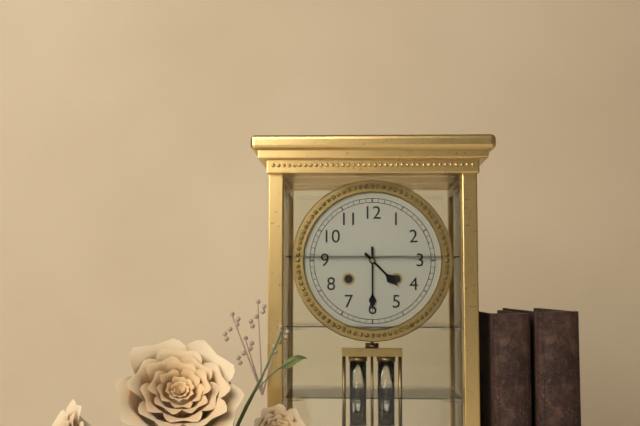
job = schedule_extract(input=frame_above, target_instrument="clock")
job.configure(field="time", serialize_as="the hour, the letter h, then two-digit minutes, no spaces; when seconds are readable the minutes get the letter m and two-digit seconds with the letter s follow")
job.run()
4h30
